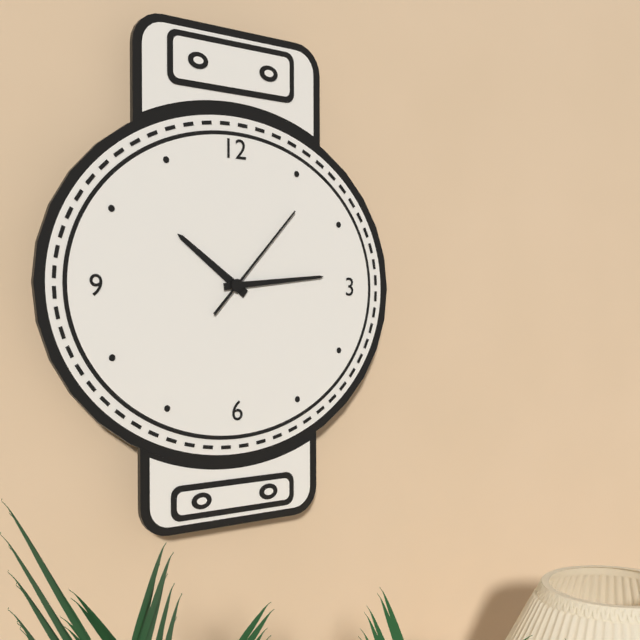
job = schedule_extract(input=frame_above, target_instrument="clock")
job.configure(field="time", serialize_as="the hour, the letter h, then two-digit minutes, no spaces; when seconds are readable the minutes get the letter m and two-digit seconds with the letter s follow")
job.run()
10h14m07s
